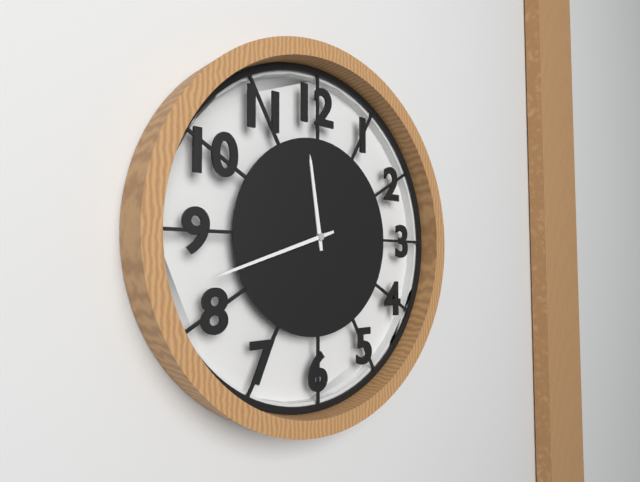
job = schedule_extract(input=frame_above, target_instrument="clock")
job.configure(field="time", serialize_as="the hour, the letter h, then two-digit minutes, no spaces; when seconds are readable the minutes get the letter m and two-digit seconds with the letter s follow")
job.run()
11h42
